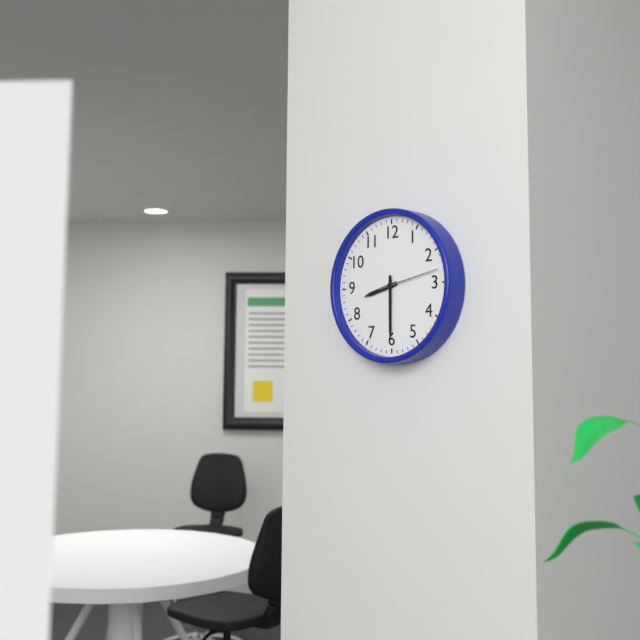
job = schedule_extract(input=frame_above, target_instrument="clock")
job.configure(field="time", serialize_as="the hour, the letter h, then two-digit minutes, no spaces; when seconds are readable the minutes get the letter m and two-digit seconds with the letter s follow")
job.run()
8h30
